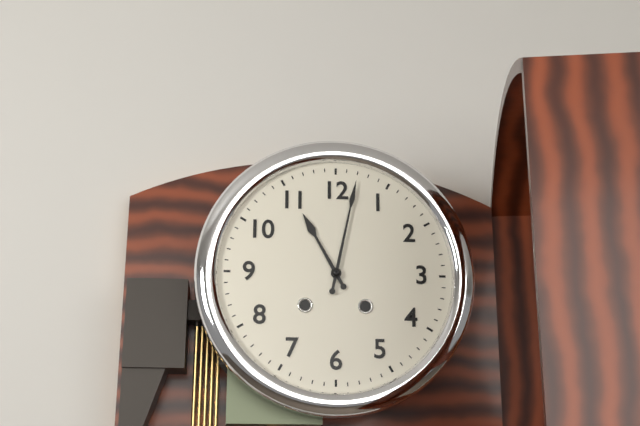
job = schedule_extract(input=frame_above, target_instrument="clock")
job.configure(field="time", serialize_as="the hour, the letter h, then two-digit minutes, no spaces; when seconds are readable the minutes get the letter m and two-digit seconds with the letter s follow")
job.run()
11h02
